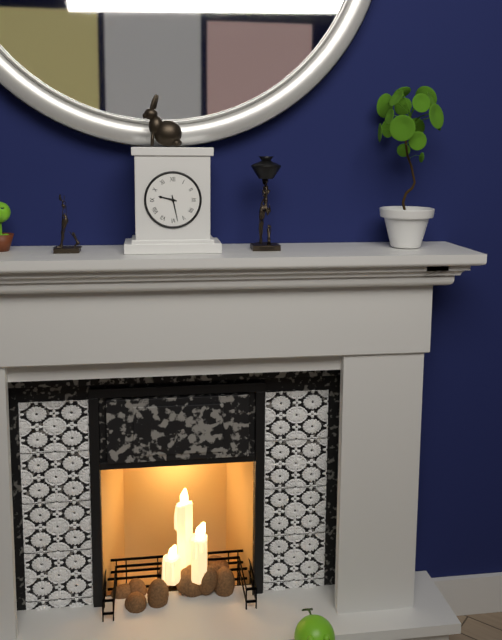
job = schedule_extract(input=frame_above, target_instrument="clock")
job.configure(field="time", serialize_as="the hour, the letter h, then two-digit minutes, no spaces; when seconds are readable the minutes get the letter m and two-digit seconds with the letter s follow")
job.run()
9h28
